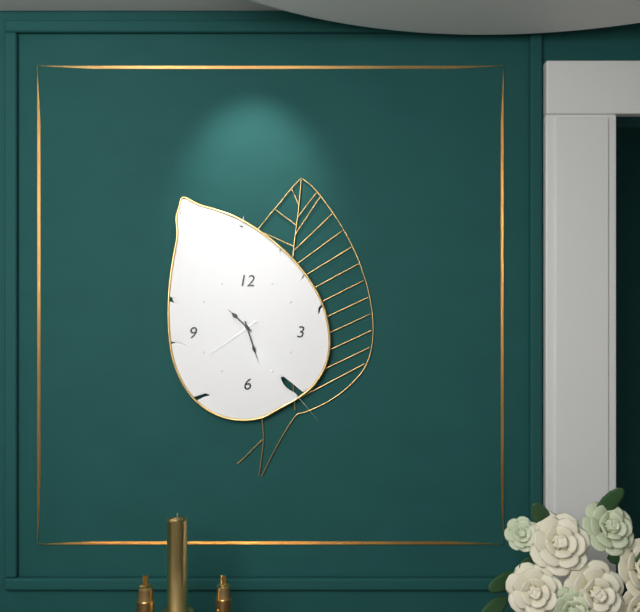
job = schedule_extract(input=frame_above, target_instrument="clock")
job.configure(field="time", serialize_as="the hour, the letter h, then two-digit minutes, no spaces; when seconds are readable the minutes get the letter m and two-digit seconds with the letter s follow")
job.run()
10h27m39s
